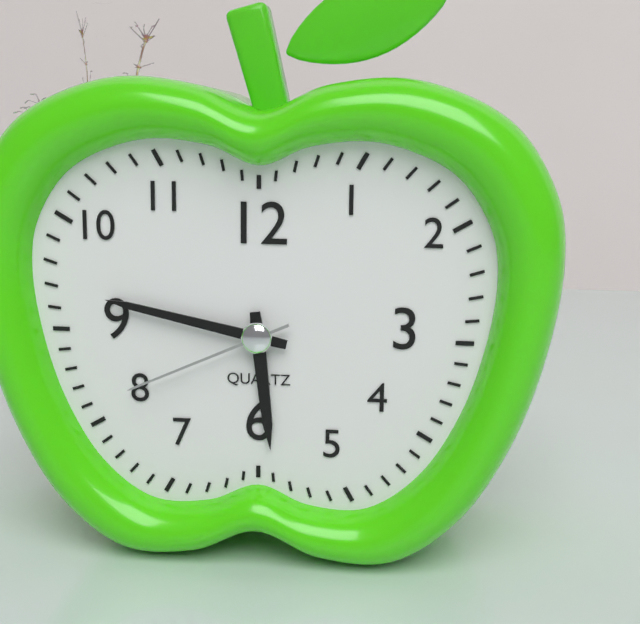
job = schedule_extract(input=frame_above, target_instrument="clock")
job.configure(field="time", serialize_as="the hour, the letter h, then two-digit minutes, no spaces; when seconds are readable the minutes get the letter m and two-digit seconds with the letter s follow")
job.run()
5h47m41s
